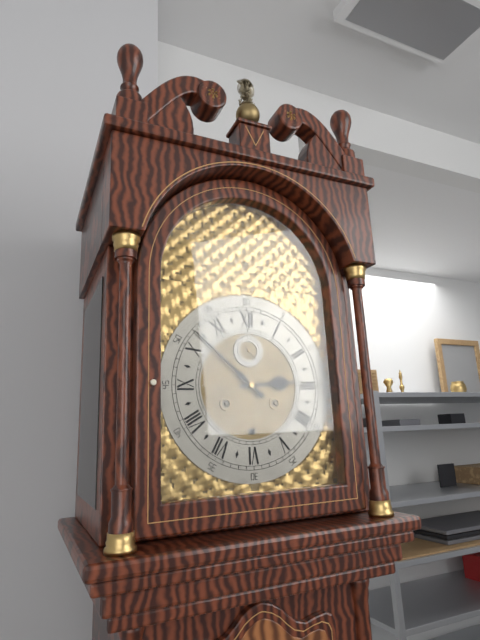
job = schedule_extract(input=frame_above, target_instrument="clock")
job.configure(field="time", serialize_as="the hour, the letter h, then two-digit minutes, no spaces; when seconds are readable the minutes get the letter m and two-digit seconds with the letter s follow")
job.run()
2h52
